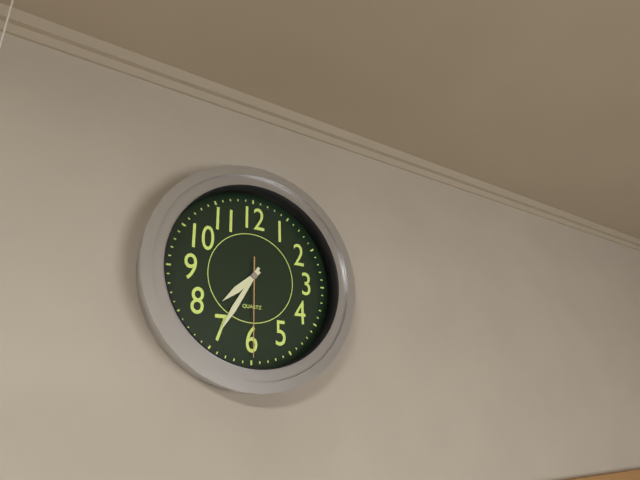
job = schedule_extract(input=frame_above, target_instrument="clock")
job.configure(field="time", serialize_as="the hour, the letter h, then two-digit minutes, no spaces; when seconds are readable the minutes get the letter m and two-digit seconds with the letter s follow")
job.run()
7h35m30s
